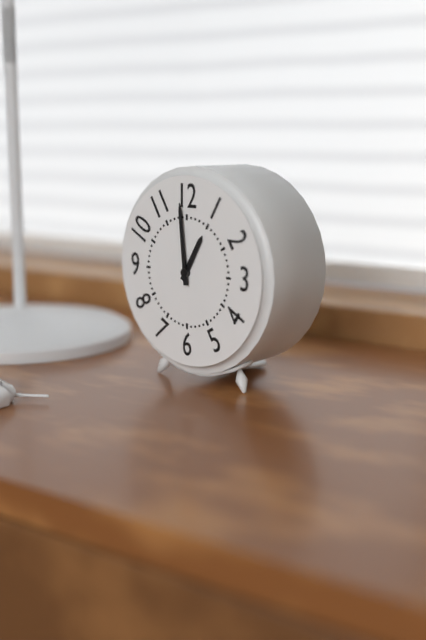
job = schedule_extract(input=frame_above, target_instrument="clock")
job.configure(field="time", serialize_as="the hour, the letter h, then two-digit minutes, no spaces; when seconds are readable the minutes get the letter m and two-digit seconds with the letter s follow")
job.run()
12h59
